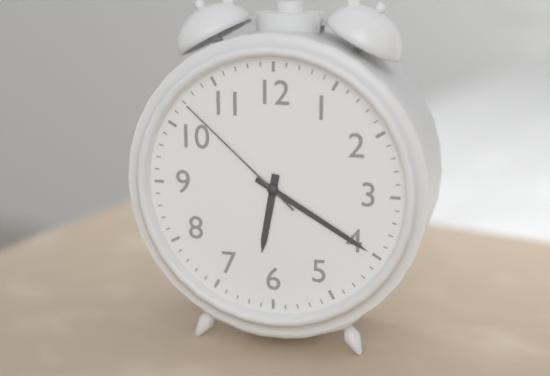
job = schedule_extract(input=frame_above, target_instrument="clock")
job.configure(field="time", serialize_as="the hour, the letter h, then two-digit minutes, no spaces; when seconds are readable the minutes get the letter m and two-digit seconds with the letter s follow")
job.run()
6h20m52s
